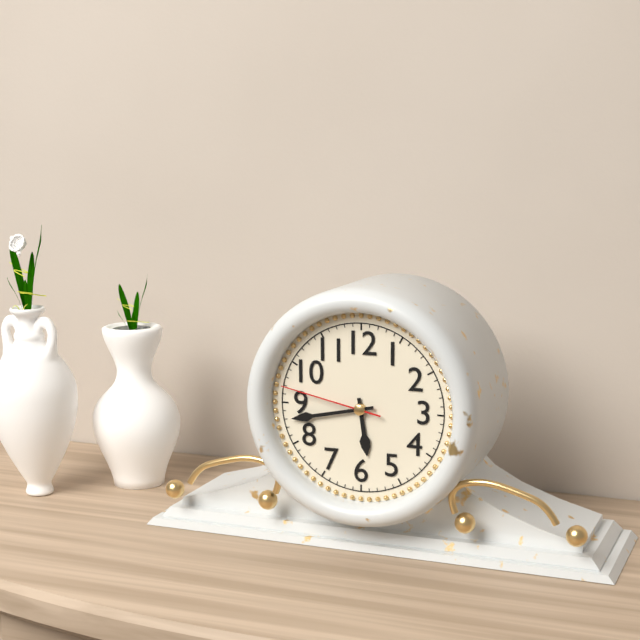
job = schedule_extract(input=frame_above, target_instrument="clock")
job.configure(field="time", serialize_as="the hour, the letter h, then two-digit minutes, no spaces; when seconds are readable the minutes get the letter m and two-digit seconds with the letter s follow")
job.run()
5h43m47s
